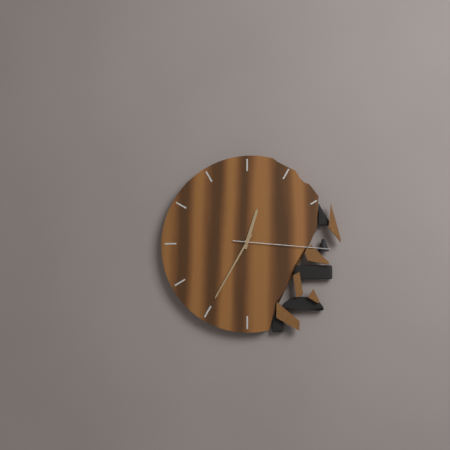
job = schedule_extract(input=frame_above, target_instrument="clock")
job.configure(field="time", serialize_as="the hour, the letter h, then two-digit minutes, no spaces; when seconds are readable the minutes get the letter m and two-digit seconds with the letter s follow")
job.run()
12h35m16s
